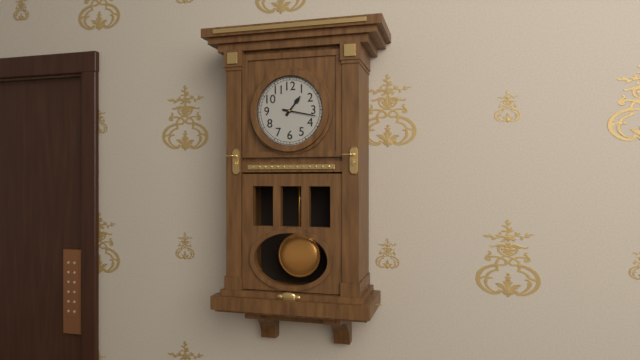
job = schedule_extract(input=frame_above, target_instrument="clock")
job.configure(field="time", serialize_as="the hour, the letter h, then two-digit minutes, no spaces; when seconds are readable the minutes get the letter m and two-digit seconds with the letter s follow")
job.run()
1h17
